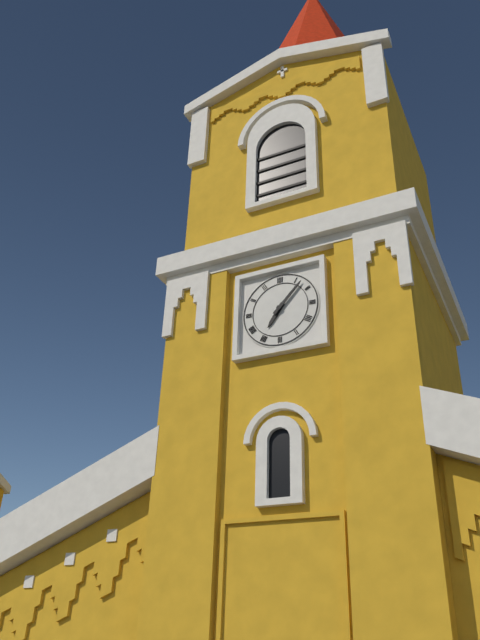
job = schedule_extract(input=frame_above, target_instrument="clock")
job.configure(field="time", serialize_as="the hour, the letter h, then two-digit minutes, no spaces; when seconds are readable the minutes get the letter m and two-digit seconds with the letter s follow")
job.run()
7h07
